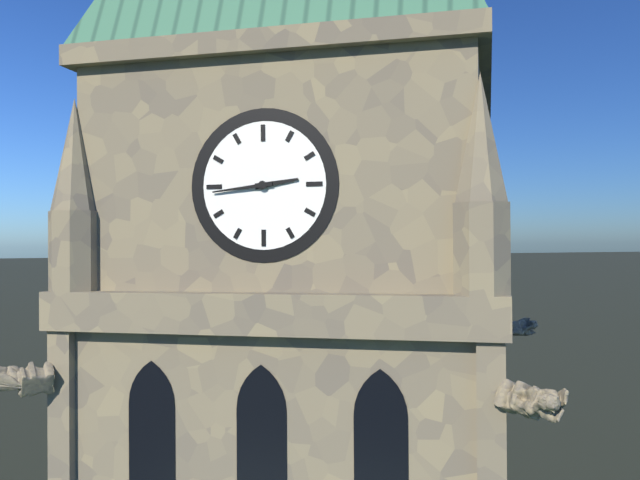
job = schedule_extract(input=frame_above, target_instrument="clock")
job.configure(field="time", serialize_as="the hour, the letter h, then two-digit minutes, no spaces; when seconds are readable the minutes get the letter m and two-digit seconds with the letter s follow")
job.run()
2h44
